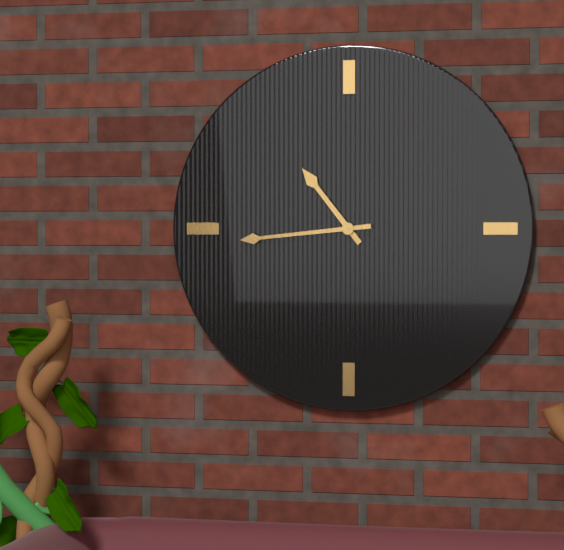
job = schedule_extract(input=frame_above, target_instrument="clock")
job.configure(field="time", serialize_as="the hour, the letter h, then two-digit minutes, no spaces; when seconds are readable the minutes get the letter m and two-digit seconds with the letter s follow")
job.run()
10h44
